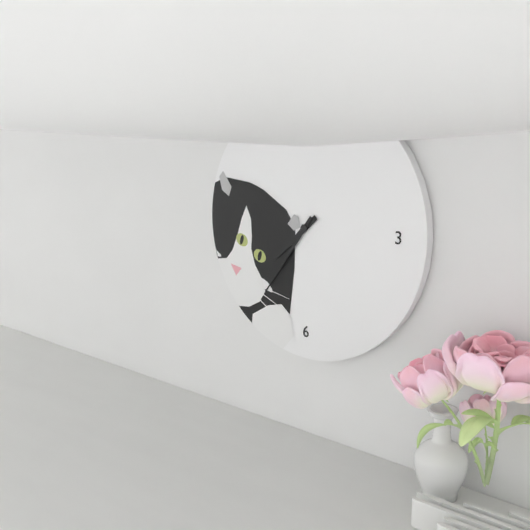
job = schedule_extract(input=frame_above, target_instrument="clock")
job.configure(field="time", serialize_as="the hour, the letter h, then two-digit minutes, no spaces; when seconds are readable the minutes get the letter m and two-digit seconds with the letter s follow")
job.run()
7h36
